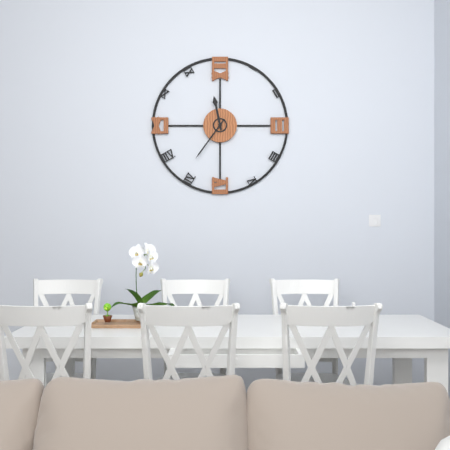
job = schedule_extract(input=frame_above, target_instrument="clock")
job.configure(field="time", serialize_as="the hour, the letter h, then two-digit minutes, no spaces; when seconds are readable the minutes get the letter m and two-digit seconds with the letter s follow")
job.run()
11h36
